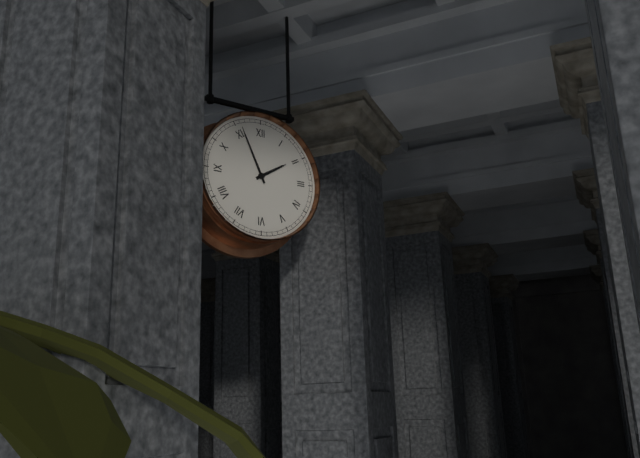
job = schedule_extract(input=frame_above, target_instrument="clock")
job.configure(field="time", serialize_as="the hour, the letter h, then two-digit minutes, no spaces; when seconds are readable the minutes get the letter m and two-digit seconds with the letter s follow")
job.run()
1h56
